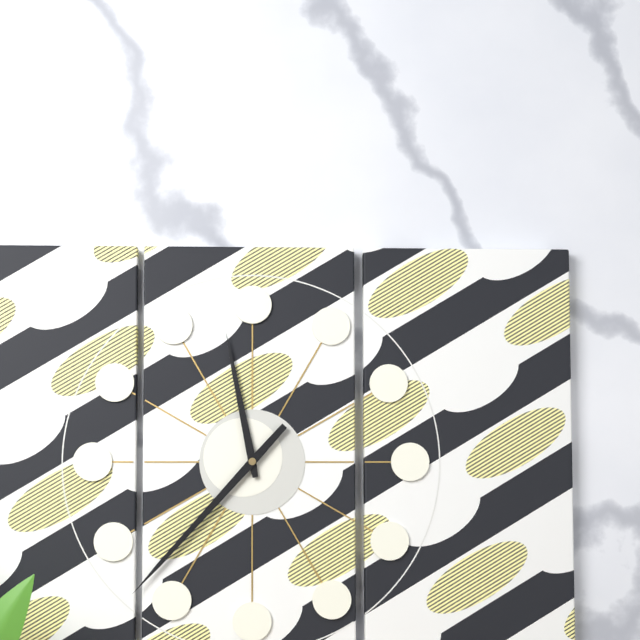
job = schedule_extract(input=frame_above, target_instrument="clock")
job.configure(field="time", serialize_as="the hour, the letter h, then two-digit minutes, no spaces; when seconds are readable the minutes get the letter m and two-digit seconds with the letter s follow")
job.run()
11h37
